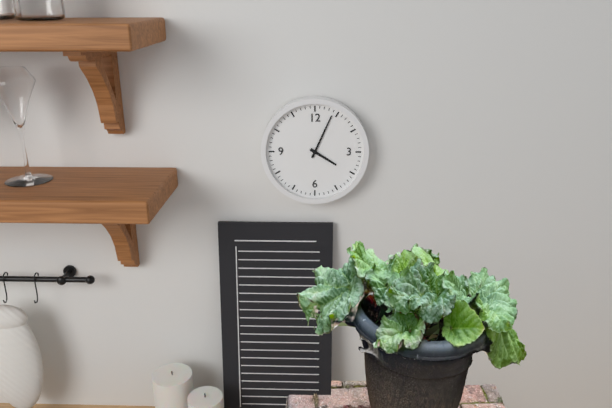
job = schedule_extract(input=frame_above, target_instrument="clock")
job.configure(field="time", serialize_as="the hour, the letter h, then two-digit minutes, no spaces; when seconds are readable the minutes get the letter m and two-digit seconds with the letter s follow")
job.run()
4h04
